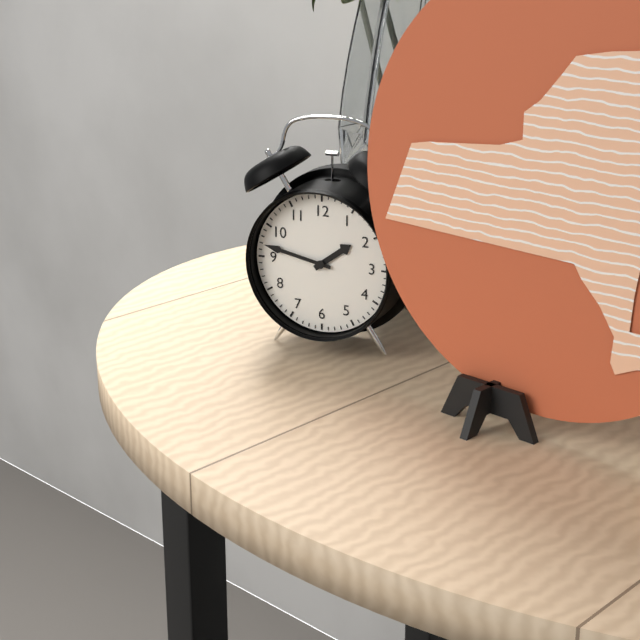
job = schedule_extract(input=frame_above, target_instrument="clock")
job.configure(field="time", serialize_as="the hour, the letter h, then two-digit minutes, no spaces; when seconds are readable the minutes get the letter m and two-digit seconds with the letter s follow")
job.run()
1h47
